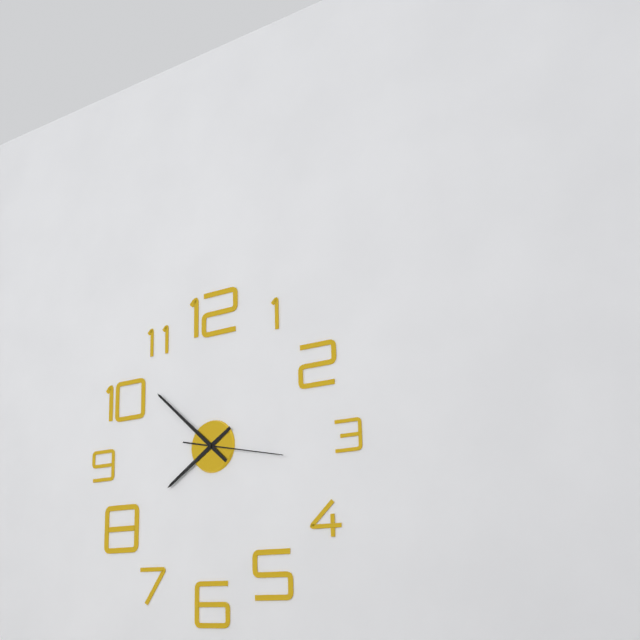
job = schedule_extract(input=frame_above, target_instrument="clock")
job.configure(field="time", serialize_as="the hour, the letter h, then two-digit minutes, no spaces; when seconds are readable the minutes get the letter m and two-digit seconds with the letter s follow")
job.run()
7h52m17s
